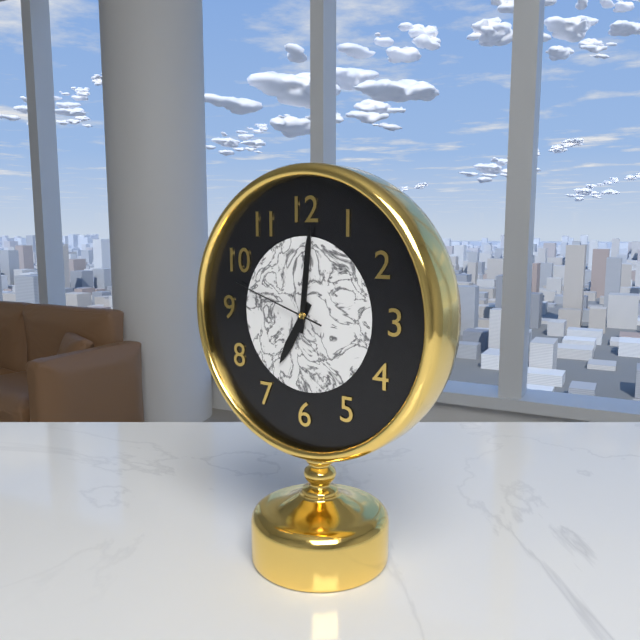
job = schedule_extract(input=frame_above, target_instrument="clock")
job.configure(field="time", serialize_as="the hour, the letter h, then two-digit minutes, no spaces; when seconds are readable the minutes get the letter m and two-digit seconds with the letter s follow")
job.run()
7h01m48s
